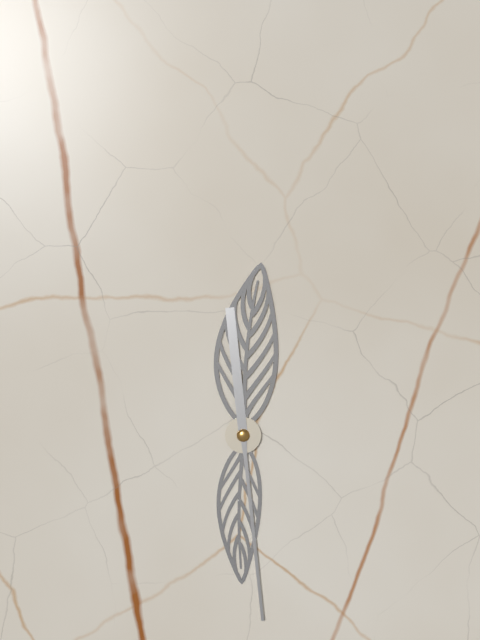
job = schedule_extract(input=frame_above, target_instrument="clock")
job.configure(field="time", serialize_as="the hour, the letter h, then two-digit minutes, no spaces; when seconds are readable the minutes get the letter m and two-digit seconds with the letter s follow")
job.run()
6h01m29s
